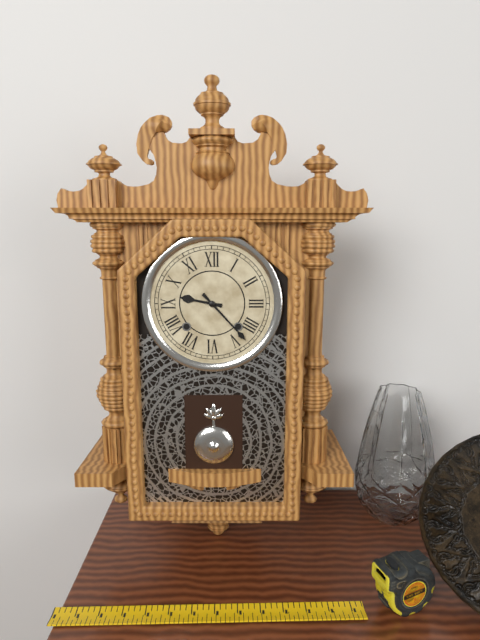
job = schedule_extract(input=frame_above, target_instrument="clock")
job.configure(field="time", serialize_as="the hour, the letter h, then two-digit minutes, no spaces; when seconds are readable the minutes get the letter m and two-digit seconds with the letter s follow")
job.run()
9h23
